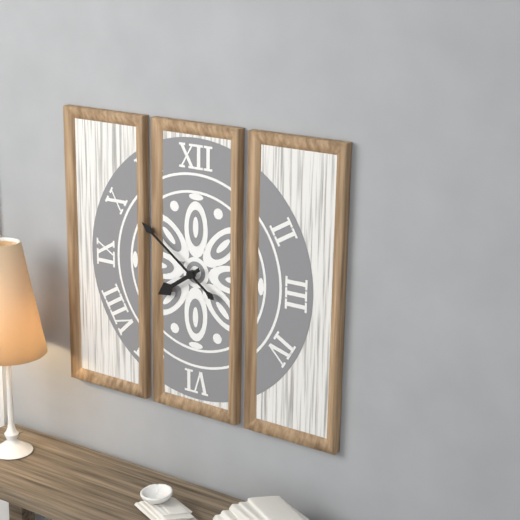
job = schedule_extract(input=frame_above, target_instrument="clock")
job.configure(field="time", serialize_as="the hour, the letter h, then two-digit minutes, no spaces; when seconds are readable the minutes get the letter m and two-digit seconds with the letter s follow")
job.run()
7h51
